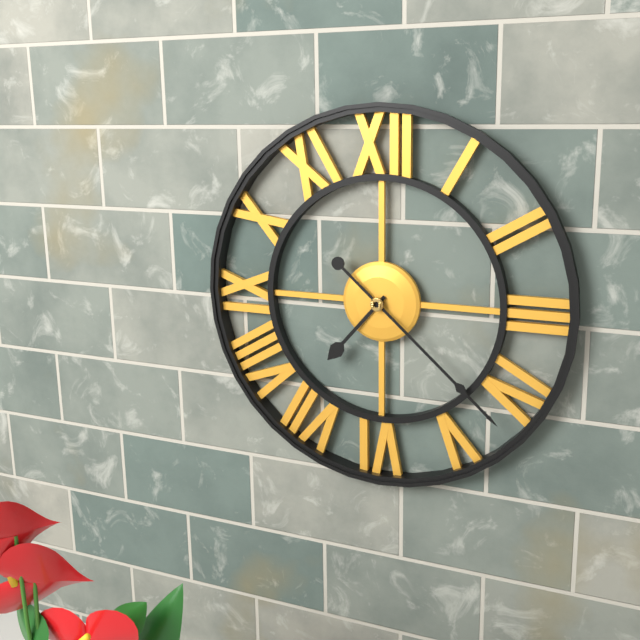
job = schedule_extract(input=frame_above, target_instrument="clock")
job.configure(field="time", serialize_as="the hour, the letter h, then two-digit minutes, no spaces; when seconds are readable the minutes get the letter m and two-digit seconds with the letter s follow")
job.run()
7h22
